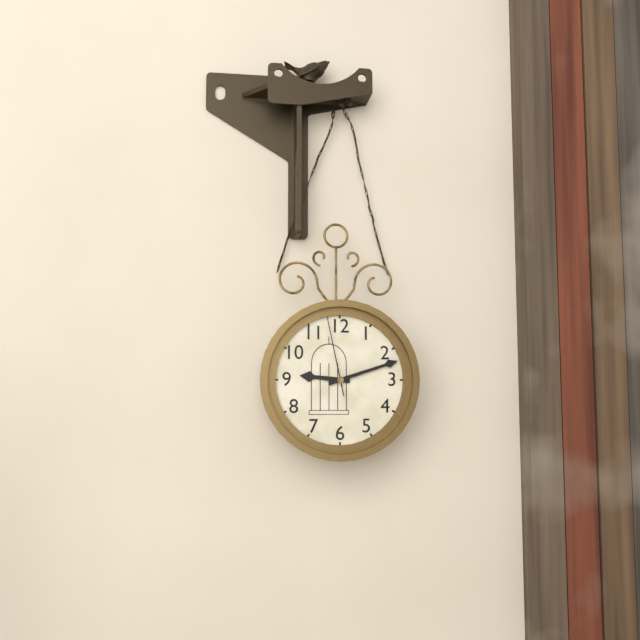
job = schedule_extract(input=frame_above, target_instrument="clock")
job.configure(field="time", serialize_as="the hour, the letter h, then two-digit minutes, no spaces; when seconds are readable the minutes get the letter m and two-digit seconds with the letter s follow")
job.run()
9h12m58s
